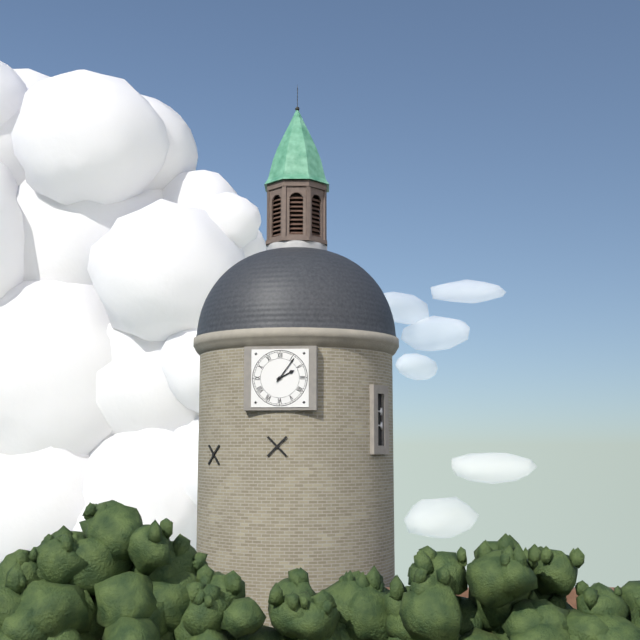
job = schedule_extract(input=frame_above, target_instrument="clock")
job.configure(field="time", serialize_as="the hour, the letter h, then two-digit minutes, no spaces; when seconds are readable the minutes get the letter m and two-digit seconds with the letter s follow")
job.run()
2h06
